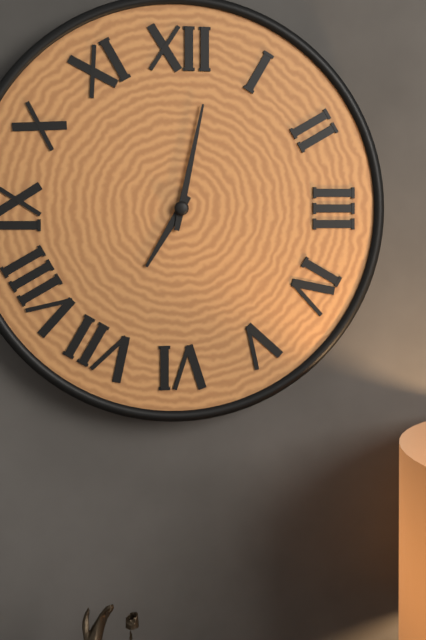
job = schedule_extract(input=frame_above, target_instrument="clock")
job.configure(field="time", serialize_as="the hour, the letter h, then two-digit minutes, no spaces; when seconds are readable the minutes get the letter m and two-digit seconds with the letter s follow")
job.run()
7h02
